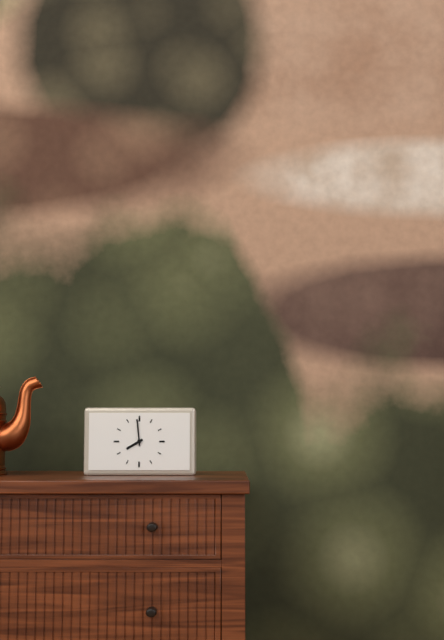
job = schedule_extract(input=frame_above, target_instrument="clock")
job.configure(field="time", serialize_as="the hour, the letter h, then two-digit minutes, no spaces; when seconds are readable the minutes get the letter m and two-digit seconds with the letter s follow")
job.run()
7h59
